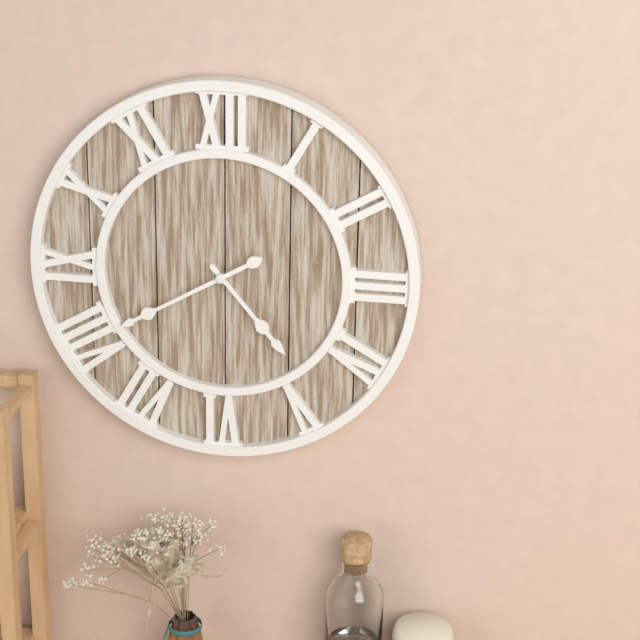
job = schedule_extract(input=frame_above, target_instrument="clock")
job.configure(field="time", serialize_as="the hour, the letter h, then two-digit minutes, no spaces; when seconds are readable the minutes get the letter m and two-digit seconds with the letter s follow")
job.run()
4h40
